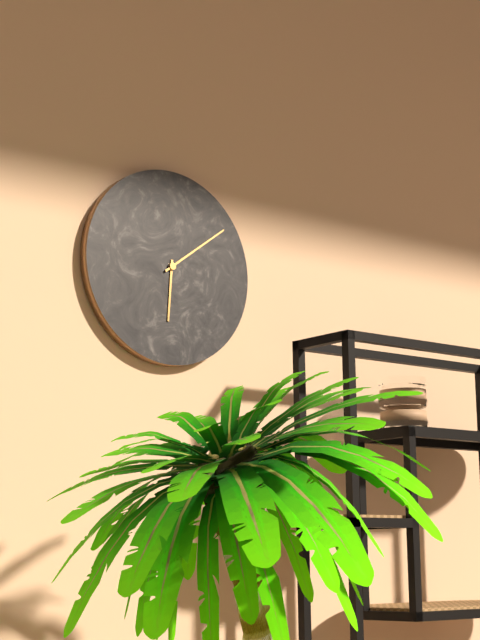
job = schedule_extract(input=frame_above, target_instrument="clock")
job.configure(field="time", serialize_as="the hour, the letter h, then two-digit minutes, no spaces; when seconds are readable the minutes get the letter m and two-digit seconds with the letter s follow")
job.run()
6h09
